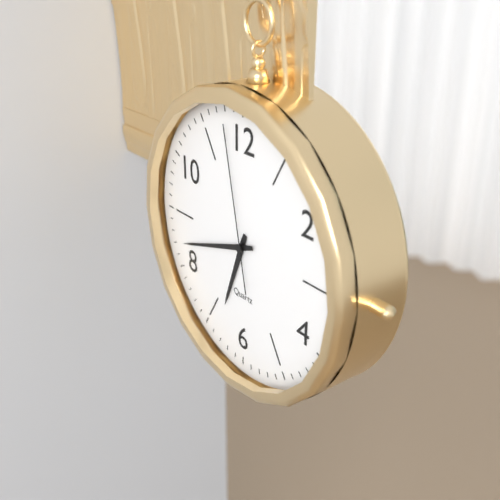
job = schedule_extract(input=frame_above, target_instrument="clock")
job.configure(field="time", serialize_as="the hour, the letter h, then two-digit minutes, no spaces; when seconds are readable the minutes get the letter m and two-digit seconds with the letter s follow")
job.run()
6h42m58s
